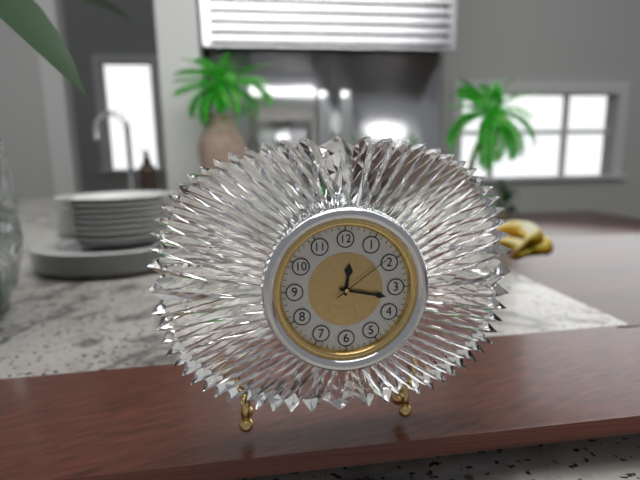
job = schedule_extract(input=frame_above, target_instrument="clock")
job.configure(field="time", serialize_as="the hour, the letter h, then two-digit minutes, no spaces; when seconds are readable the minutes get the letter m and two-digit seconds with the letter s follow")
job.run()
12h17m09s
